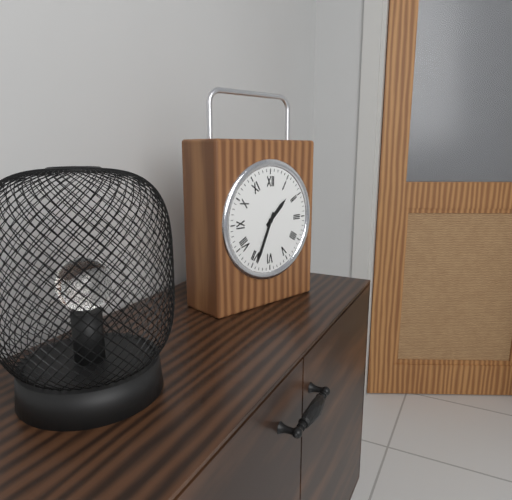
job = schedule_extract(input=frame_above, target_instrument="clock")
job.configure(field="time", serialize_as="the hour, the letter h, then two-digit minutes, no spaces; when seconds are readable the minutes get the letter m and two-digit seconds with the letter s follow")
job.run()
1h34
